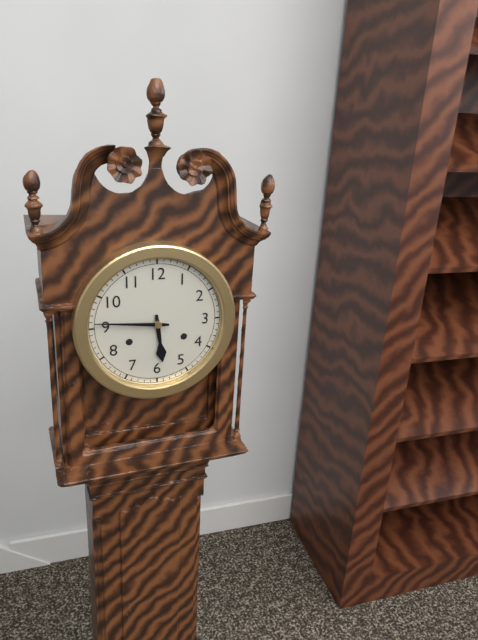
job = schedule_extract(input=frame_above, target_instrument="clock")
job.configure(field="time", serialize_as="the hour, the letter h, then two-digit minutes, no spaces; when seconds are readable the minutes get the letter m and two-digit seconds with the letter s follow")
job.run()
5h46
